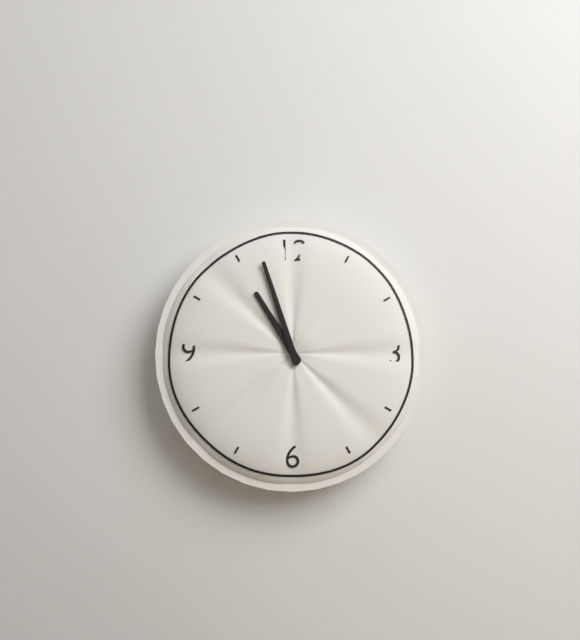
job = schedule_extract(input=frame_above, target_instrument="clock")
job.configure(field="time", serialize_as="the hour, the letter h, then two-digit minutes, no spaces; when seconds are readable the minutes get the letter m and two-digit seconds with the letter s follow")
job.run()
10h57
